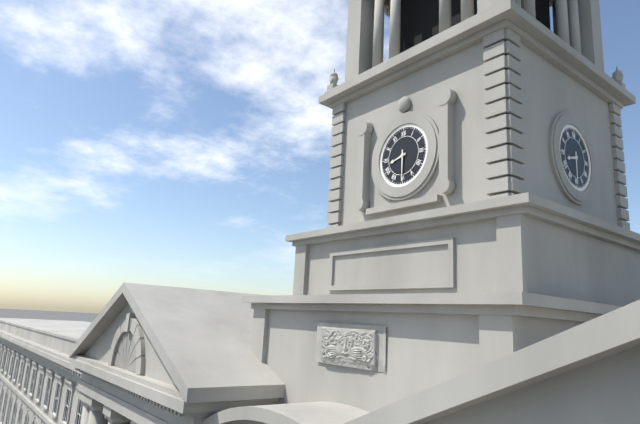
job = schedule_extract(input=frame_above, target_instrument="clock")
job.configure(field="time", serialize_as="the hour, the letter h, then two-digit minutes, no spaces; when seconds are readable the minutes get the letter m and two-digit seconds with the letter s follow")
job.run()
8h30
